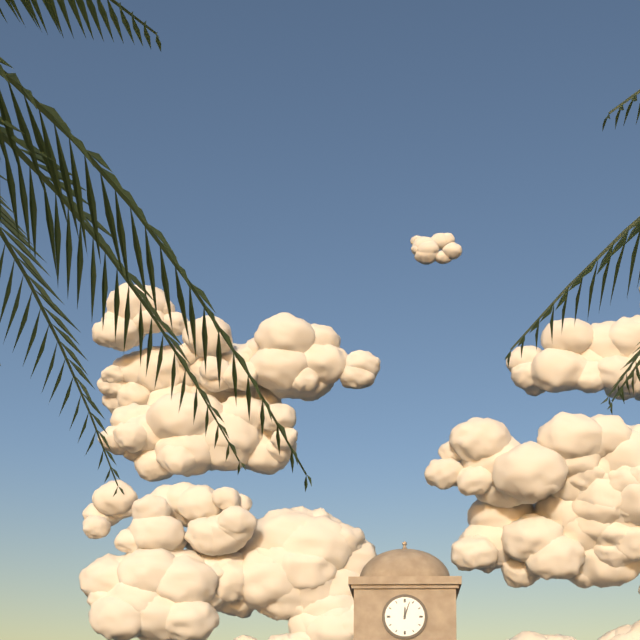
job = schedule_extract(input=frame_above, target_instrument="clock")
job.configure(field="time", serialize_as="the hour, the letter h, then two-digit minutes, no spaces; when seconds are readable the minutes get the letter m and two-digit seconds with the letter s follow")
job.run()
12h03
